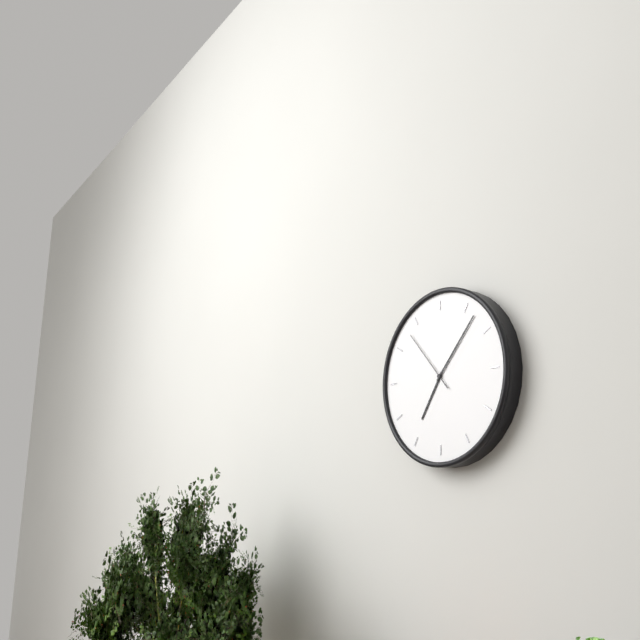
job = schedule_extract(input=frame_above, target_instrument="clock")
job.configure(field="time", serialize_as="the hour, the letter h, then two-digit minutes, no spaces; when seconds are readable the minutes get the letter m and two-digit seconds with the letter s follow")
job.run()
7h07m53s
